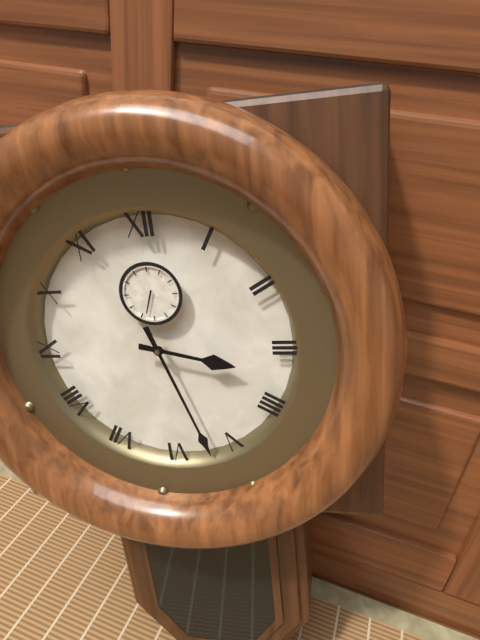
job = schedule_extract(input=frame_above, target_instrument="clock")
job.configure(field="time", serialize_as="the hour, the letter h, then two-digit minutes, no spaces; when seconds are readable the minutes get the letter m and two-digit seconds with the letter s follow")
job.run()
3h27
